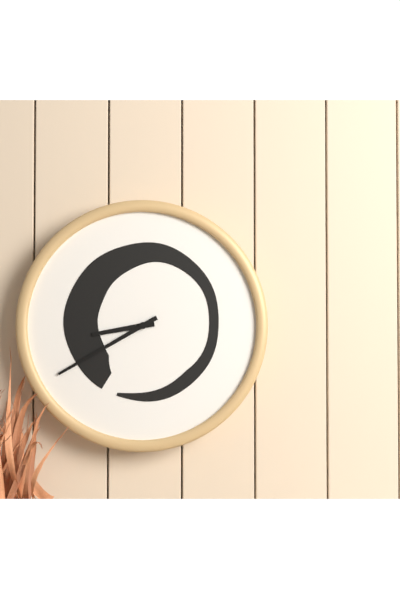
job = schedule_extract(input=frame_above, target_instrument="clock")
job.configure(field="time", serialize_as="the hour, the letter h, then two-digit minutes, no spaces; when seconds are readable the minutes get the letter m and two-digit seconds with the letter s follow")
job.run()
8h40
